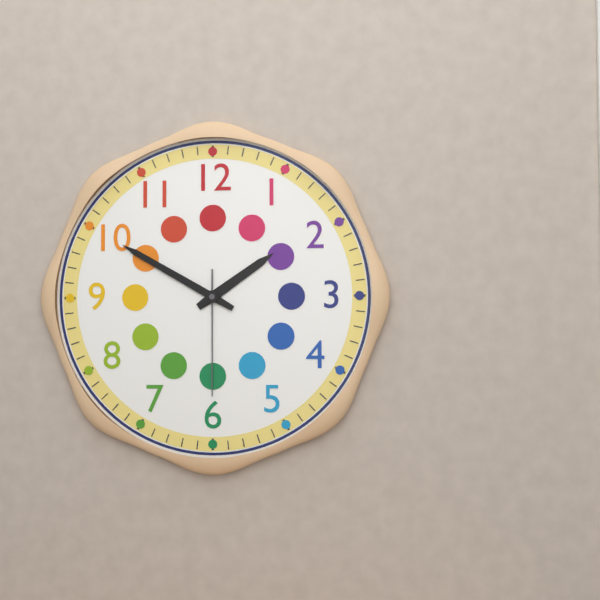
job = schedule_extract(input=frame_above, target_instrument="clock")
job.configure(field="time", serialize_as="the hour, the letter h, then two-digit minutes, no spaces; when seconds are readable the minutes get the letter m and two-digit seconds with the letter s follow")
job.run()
1h50m30s
